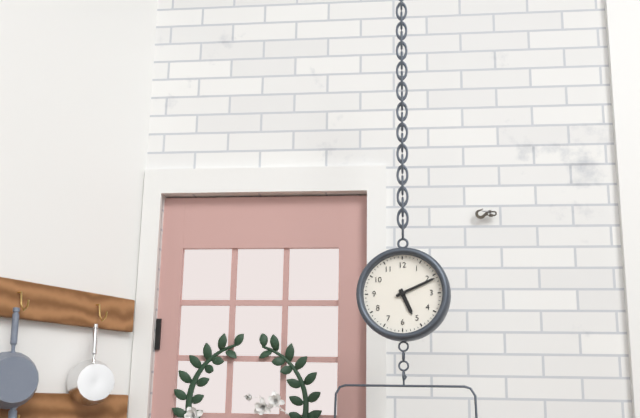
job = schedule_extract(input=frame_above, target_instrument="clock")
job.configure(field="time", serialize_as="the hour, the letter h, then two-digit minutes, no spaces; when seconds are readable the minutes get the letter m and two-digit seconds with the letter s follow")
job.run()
5h11
